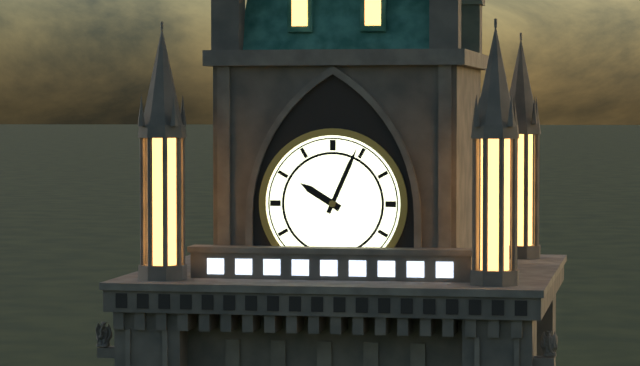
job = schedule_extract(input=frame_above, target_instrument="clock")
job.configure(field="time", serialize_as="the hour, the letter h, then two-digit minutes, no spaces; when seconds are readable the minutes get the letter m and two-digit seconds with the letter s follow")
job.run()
10h04
